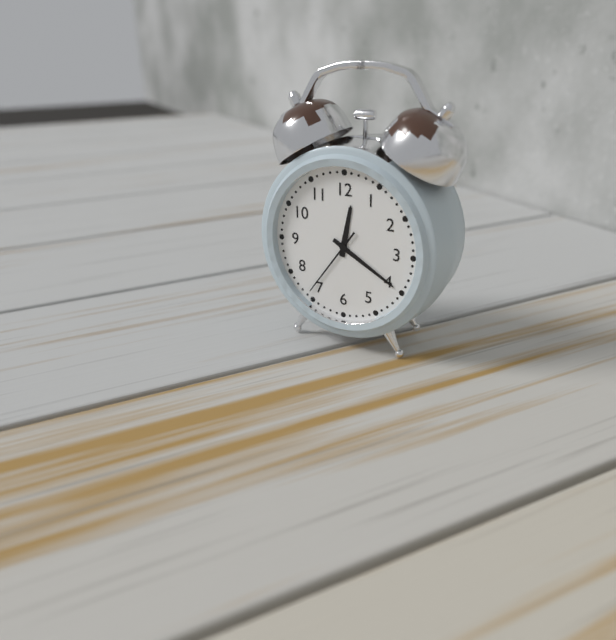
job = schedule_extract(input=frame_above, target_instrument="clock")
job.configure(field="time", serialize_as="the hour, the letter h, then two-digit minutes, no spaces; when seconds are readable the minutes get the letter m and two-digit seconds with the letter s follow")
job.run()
12h20m36s
